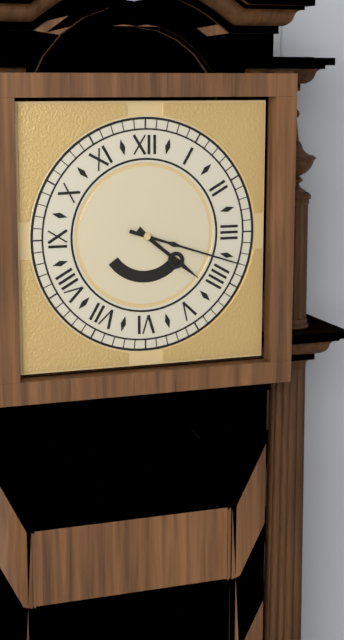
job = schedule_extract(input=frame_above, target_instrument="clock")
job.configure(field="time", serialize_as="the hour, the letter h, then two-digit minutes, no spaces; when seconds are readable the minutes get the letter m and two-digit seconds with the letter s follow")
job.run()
4h18
